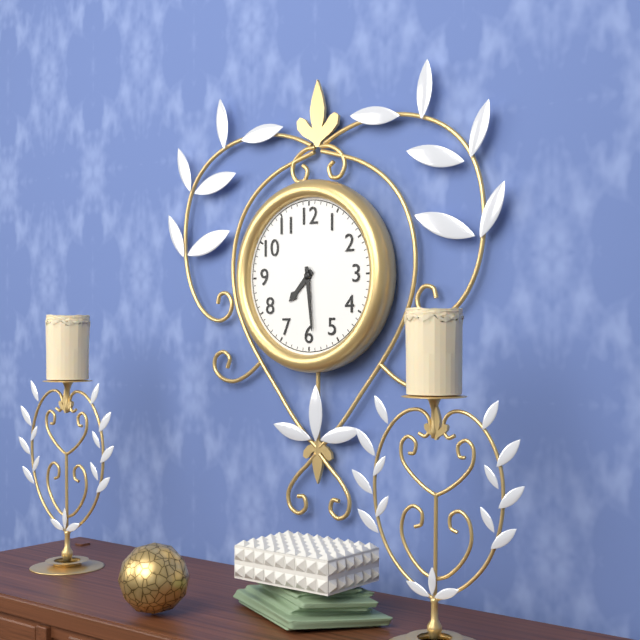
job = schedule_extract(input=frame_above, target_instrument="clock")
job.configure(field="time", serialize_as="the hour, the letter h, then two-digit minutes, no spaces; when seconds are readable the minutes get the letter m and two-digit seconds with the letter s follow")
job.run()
7h29
